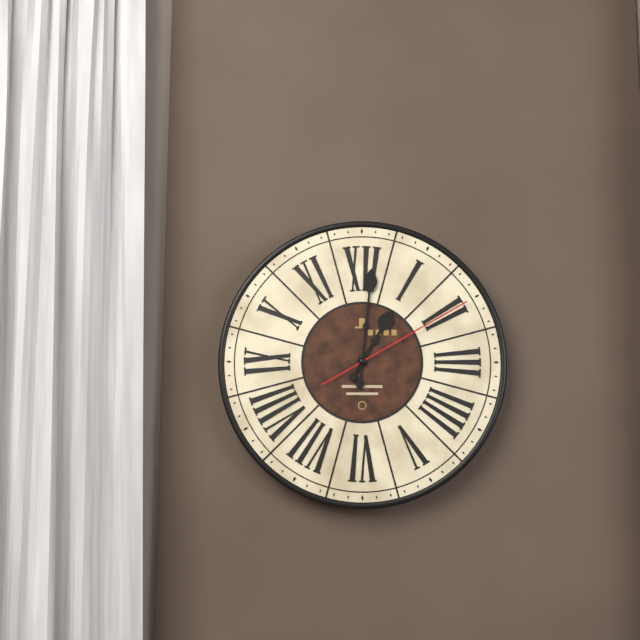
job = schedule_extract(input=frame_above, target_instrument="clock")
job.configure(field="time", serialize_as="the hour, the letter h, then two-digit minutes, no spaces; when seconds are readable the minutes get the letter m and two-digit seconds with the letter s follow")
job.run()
1h01m10s
